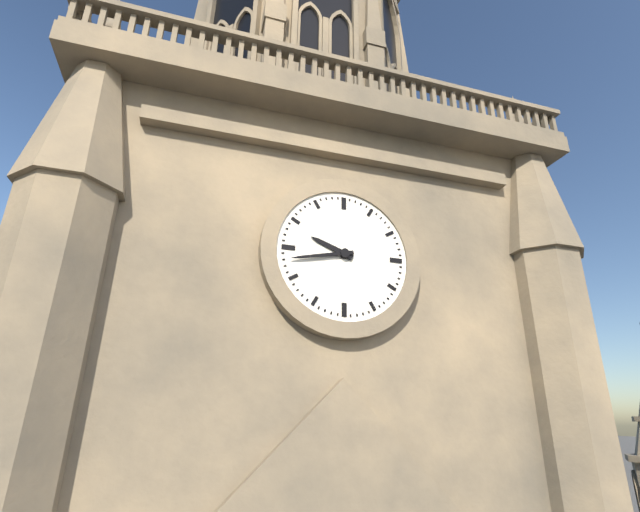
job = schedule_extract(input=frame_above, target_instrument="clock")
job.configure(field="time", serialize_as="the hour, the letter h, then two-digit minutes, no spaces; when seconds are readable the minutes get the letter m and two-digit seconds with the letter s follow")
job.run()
9h43
